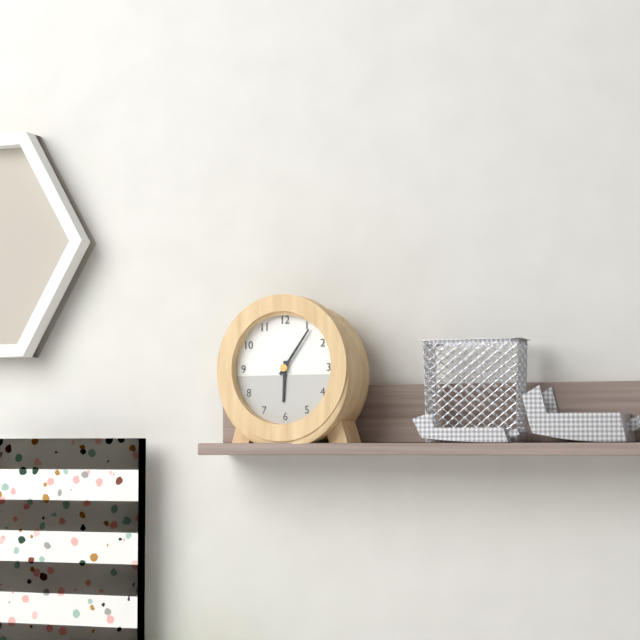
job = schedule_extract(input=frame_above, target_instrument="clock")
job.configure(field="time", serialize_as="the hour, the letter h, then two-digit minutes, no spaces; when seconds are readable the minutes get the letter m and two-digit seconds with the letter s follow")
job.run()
6h06
